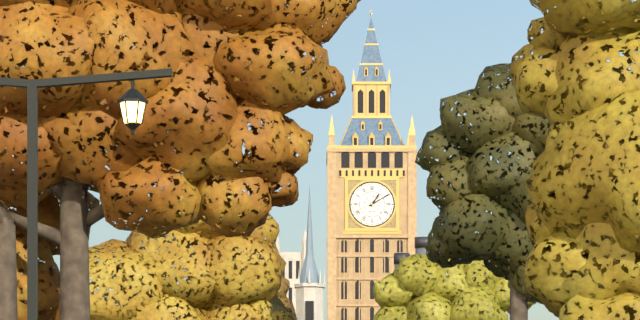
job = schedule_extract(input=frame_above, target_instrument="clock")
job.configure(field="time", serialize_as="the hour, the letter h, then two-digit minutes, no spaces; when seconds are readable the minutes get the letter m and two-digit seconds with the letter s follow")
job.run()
1h10
